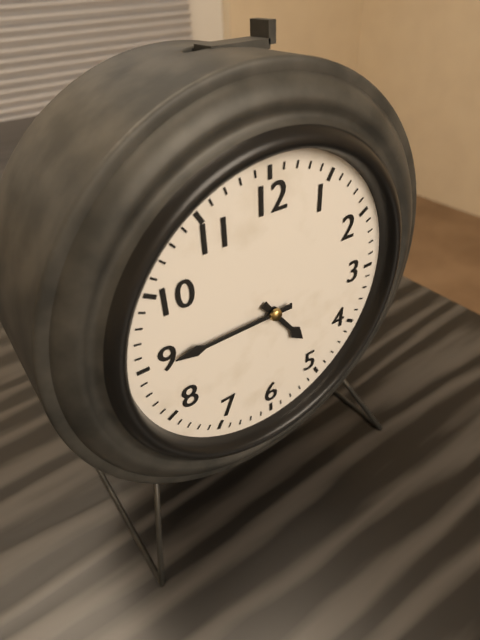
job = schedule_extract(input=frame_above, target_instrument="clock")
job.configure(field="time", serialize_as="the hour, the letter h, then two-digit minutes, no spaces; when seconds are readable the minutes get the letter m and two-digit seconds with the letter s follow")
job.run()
4h45
